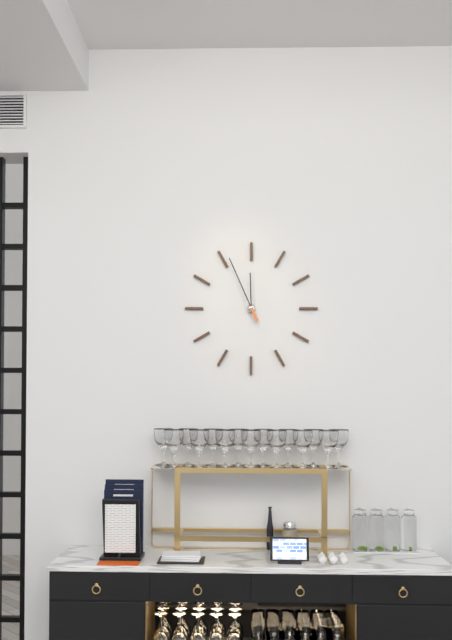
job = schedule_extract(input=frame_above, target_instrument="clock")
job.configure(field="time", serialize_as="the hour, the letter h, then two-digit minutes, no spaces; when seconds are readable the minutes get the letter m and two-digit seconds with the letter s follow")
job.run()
11h56
